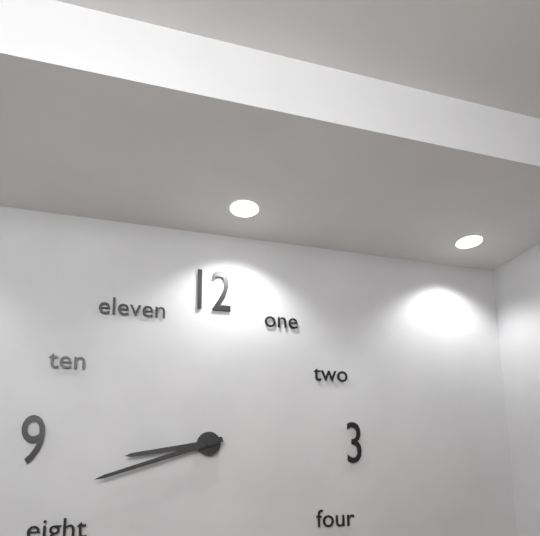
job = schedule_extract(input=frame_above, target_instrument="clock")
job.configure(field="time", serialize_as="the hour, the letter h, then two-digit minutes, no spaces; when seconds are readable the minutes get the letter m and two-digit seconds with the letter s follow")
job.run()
8h42
